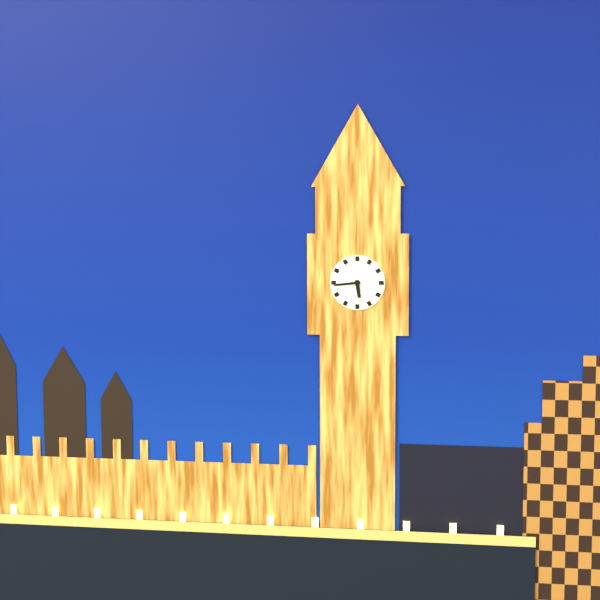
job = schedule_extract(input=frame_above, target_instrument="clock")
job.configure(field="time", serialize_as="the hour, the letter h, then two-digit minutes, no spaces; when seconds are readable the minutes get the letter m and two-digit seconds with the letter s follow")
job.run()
5h44
